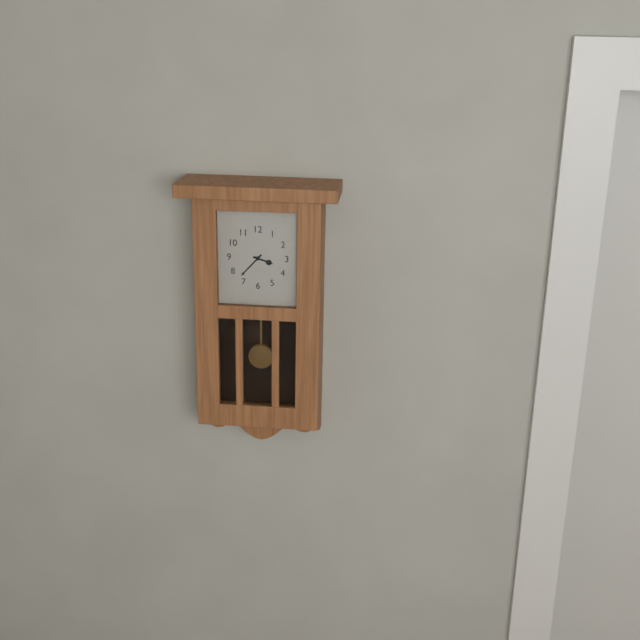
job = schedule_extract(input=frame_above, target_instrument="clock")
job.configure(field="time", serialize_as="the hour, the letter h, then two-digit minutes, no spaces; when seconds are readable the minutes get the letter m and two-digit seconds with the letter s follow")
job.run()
3h37
